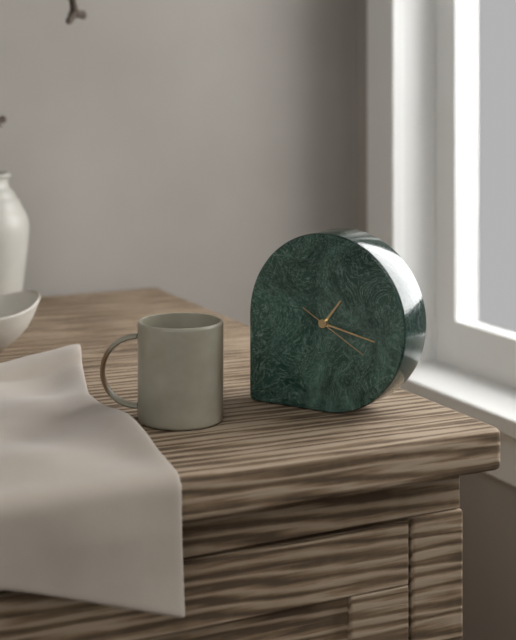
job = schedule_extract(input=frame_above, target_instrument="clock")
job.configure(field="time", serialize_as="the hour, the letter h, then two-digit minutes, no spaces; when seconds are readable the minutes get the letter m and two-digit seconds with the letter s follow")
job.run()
1h17m20s
